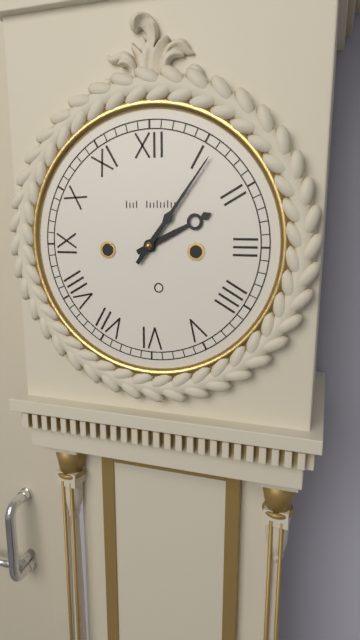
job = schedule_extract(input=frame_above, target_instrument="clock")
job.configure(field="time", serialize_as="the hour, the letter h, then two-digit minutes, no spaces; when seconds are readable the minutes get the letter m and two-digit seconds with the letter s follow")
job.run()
2h06
